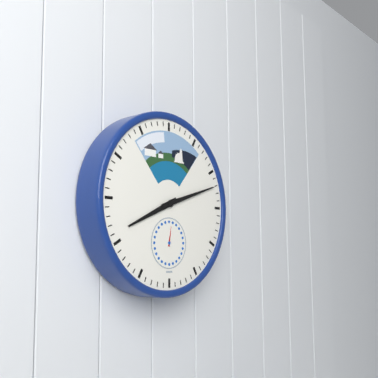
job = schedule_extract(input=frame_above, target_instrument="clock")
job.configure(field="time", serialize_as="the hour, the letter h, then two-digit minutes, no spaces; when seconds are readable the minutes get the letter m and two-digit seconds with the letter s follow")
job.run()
8h12
